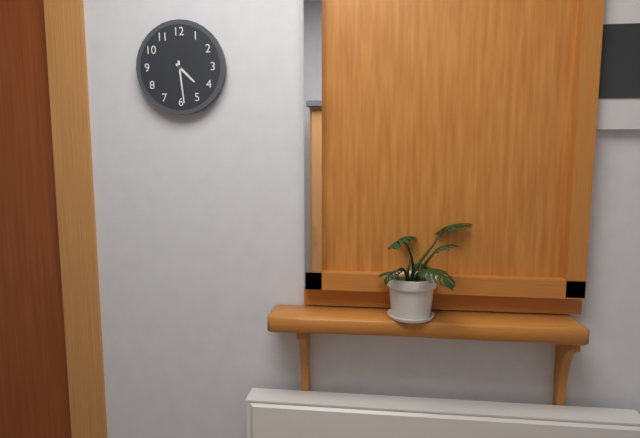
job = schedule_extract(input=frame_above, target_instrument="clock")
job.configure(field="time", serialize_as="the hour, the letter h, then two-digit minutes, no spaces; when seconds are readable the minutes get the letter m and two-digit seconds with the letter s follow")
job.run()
4h29
